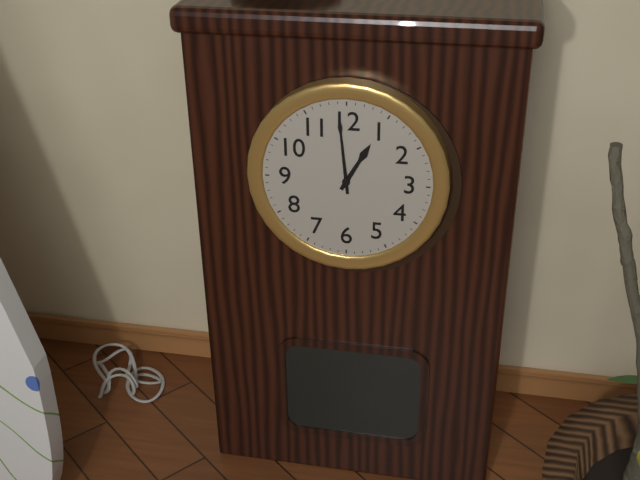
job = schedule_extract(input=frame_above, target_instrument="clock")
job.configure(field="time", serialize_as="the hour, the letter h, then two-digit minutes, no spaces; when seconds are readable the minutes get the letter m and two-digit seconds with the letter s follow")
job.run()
12h59
